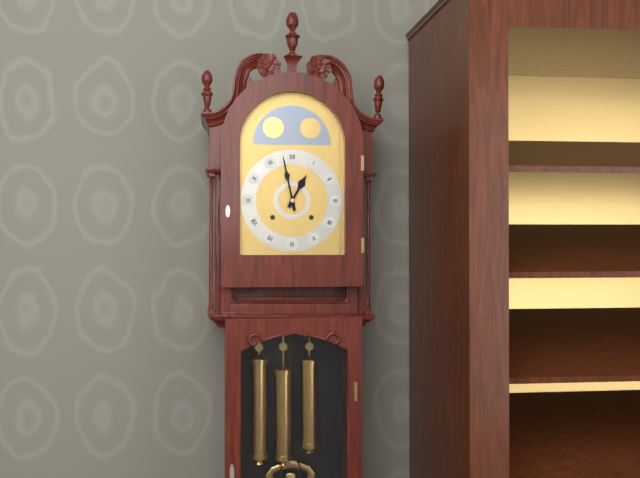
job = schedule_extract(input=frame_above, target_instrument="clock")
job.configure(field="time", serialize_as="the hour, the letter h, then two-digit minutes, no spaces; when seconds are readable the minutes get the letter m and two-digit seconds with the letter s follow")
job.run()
12h58
